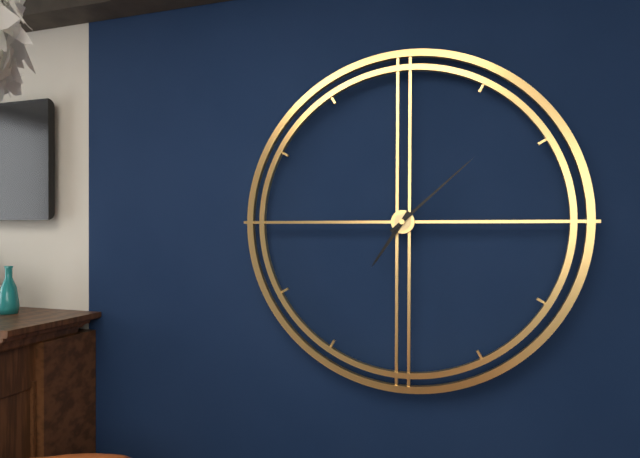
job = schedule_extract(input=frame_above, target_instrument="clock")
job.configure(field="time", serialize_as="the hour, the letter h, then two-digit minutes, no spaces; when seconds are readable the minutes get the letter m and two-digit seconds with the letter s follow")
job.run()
7h08
